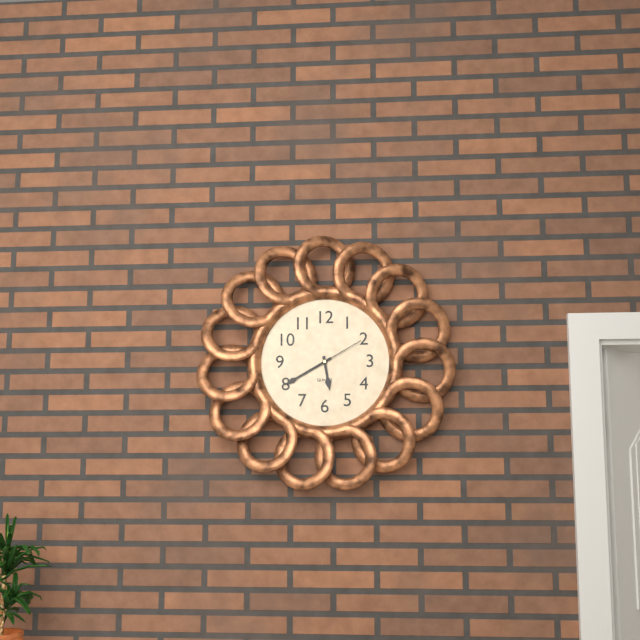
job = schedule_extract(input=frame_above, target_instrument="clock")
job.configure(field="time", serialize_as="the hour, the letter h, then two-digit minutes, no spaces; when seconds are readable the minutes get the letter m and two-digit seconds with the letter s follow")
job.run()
5h40m10s
